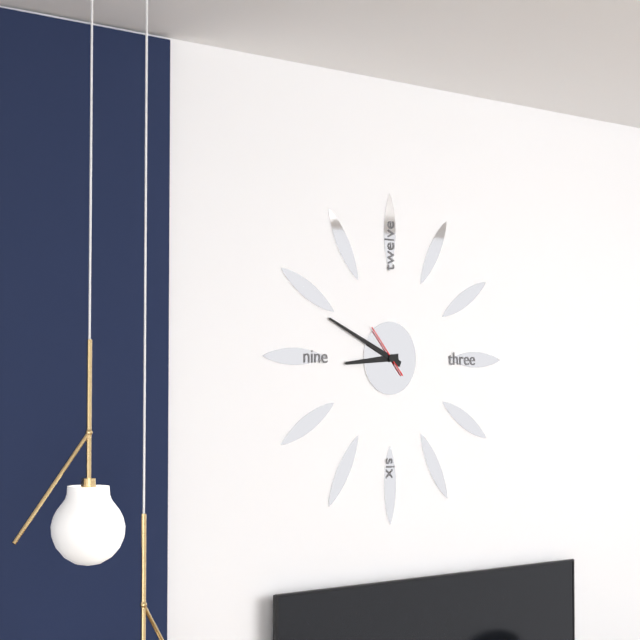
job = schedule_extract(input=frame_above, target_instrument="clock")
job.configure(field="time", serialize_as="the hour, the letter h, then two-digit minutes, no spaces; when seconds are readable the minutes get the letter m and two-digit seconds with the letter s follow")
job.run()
8h49
